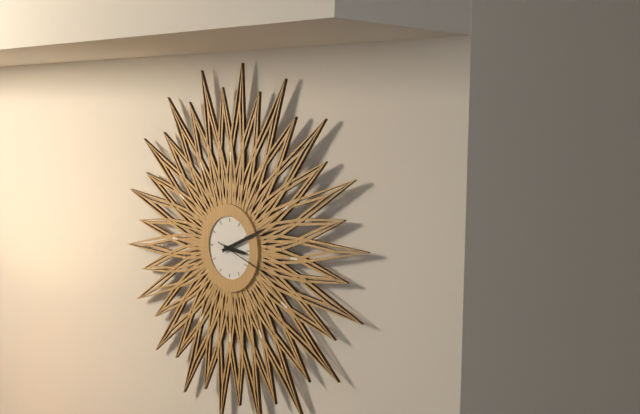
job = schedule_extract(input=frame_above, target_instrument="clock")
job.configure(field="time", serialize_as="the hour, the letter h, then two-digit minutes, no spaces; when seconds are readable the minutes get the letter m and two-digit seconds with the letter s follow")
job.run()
3h11m18s
